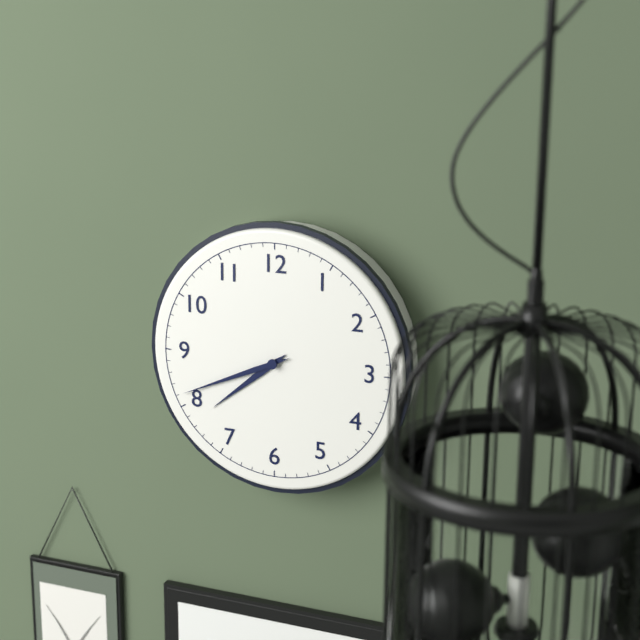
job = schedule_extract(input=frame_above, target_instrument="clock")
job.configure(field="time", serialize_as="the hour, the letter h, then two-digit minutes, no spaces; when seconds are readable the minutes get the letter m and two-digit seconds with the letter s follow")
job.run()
7h41
